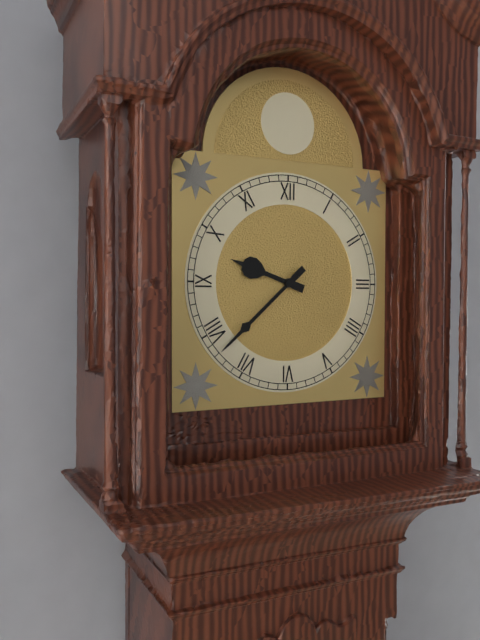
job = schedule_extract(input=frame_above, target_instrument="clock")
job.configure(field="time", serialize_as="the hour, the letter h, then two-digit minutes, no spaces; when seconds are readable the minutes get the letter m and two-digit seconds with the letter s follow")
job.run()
9h38
